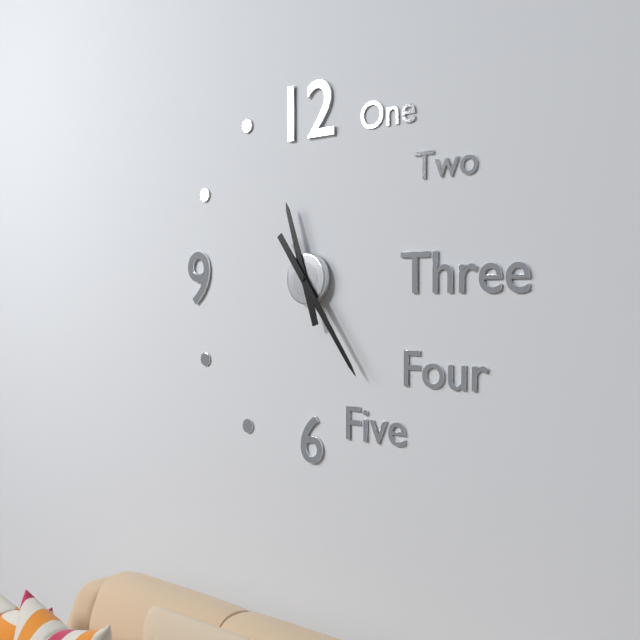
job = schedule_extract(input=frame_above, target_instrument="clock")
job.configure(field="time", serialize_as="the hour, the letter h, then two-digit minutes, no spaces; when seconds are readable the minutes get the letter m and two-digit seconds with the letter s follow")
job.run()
11h24
